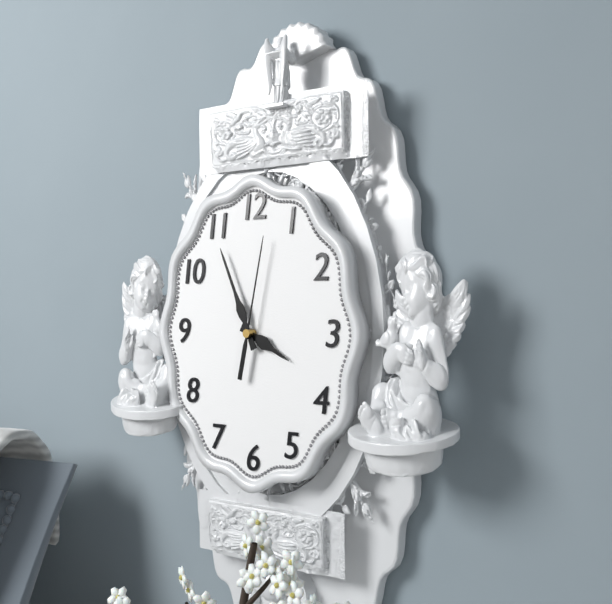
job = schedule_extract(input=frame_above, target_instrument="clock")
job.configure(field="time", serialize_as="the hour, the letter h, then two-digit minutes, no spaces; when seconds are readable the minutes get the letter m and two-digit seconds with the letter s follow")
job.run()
3h56m02s
